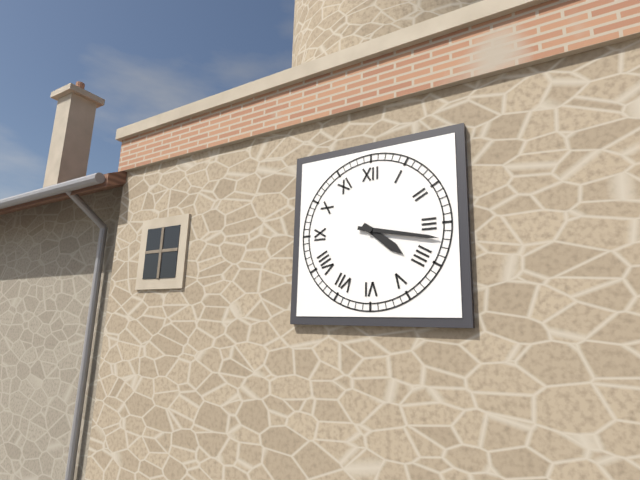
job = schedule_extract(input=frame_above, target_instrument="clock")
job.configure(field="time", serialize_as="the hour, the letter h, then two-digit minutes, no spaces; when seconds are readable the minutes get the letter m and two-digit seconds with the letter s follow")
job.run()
4h17
